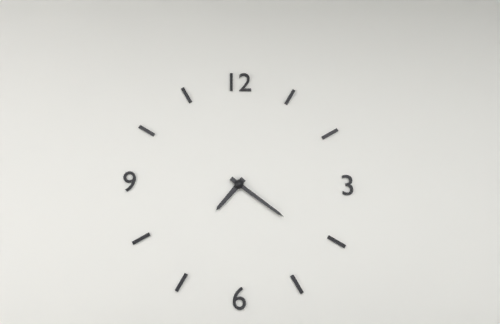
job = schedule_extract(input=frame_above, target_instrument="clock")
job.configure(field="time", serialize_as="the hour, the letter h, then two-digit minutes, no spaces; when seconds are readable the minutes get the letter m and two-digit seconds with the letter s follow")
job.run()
7h21
